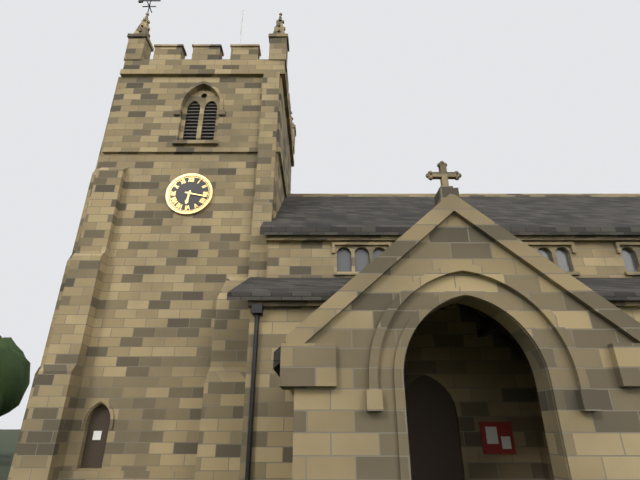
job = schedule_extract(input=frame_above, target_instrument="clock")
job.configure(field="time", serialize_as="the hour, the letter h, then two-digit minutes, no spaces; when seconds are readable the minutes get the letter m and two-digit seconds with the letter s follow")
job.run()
6h17
